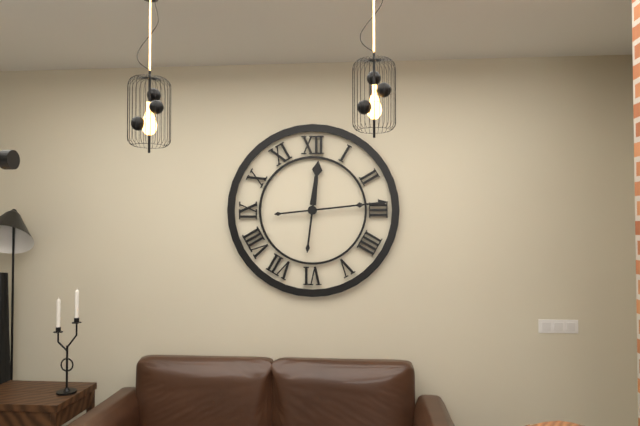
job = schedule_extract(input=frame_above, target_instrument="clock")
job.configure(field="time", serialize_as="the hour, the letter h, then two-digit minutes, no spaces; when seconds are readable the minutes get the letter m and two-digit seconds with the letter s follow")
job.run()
12h14
